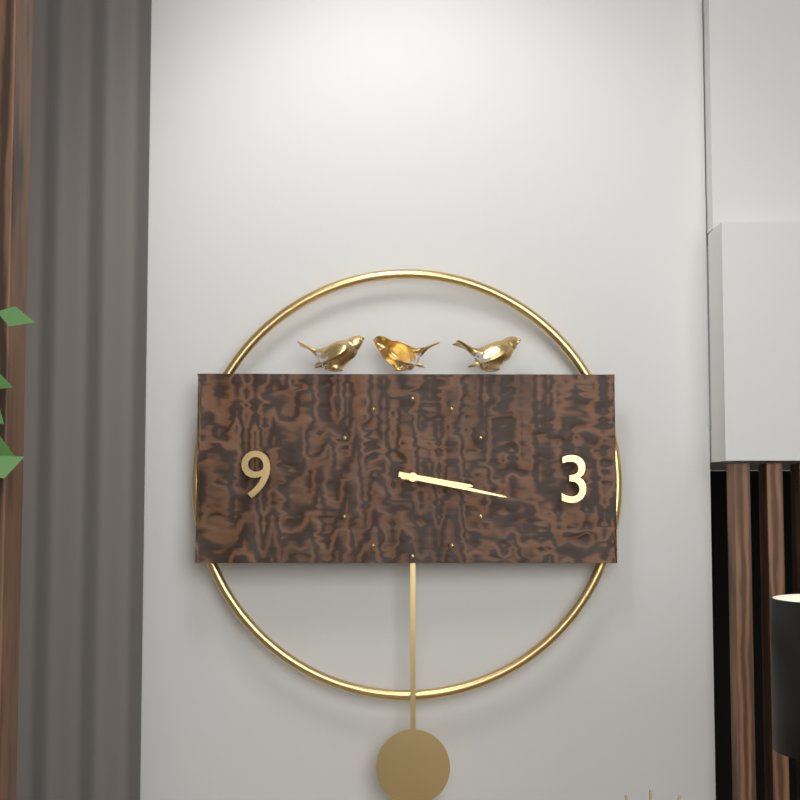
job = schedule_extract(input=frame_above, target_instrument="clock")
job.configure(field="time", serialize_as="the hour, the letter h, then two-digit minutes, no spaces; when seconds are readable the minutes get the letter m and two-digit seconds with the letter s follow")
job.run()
3h17
